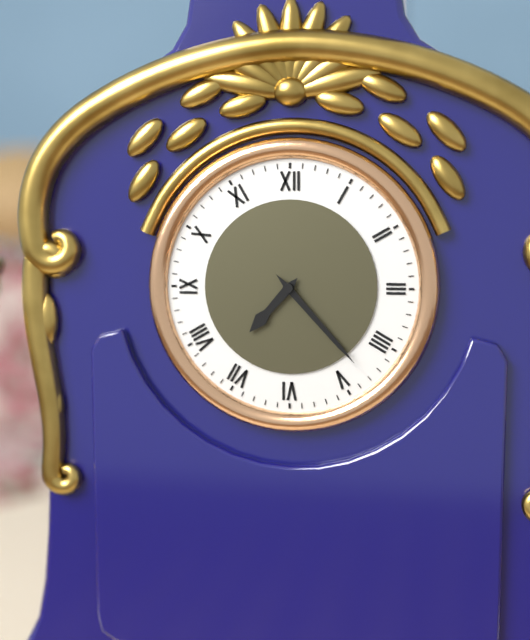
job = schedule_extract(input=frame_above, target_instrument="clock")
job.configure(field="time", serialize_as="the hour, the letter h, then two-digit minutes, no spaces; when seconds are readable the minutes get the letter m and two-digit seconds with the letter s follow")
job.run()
7h23
